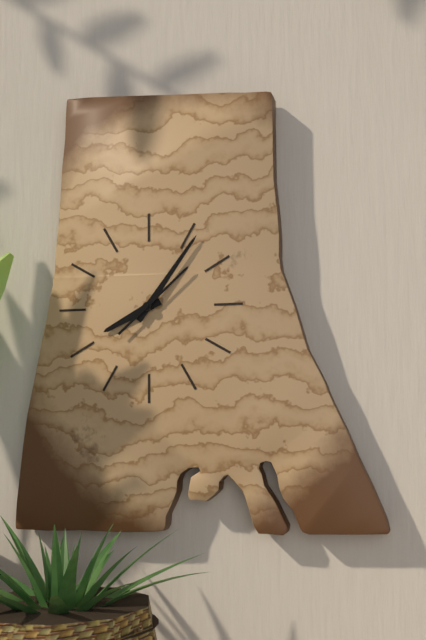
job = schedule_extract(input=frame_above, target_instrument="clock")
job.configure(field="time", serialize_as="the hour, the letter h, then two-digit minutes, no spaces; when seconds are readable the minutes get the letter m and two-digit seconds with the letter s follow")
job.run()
8h06m08s
